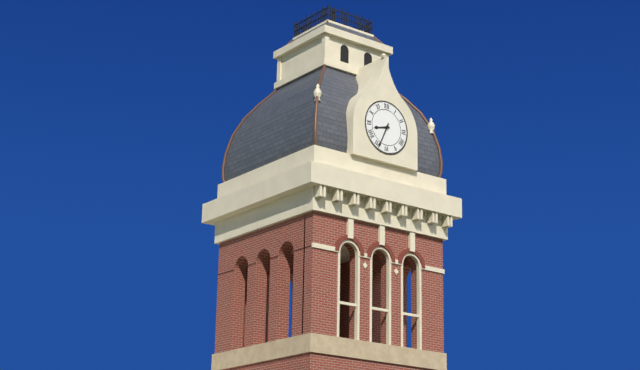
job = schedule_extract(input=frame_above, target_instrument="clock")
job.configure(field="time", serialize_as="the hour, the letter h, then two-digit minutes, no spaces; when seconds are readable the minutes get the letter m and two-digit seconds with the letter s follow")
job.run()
8h34
